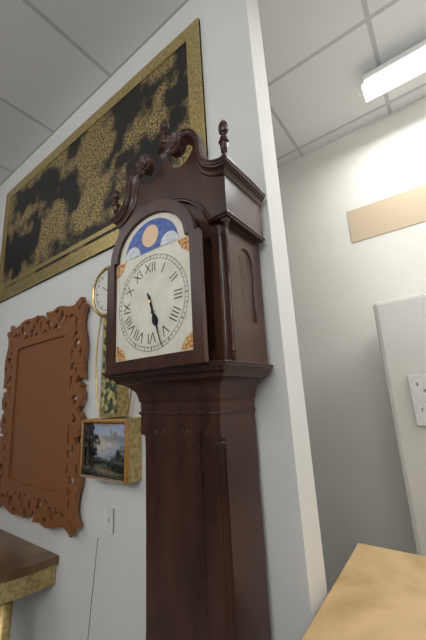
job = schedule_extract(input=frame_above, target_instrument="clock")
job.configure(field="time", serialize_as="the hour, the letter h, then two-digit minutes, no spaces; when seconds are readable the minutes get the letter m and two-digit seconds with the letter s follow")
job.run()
5h27
